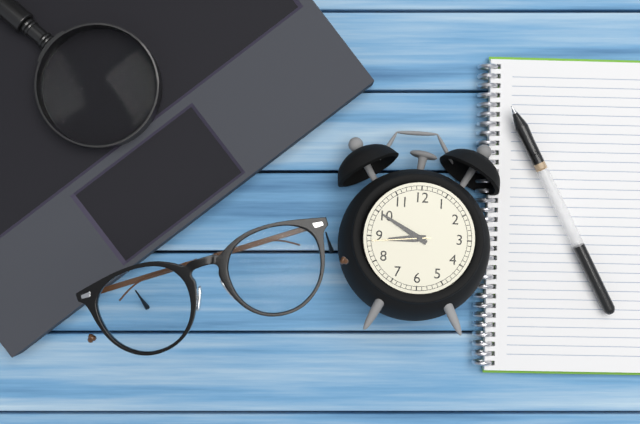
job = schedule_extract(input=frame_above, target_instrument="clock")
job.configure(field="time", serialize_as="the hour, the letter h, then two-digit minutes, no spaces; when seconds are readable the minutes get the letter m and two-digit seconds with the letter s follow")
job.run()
8h50m44s
